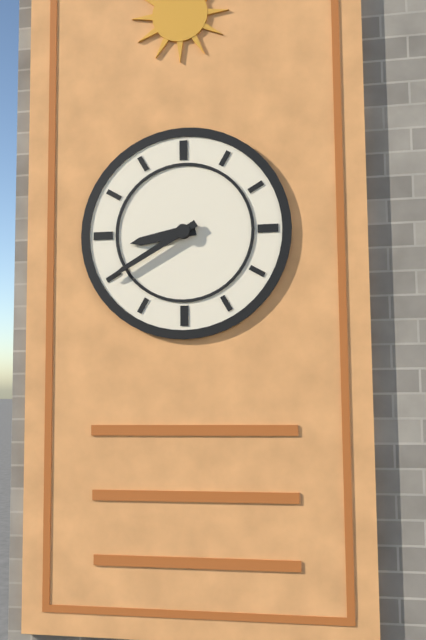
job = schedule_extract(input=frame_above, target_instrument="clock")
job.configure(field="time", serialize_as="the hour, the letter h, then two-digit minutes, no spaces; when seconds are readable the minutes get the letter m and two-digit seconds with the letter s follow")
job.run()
8h40
